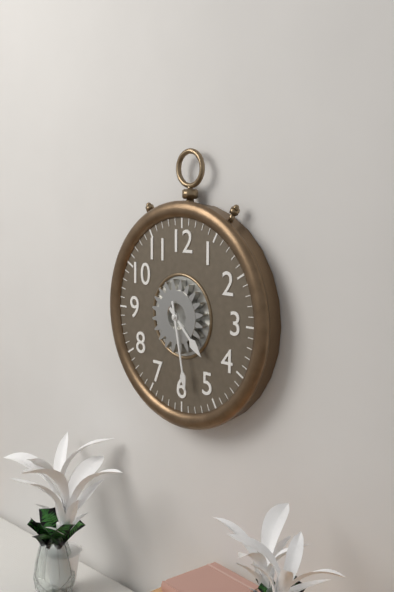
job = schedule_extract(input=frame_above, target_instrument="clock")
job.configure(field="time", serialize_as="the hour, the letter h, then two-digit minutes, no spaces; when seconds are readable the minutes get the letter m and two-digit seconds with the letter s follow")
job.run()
4h28
